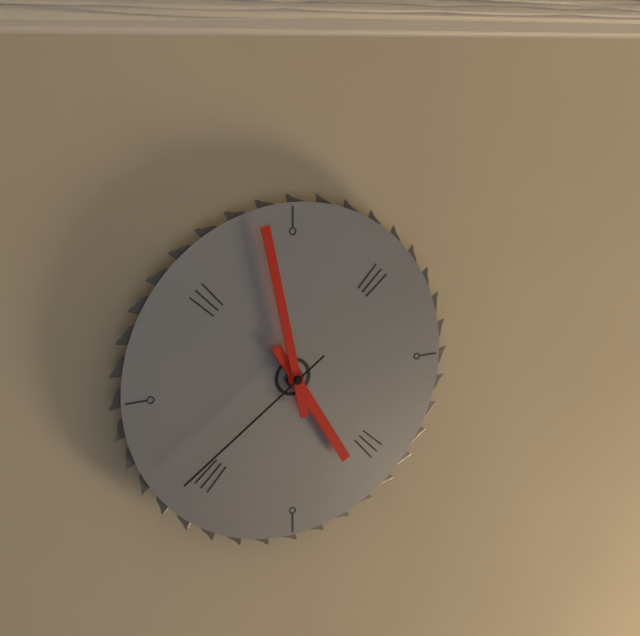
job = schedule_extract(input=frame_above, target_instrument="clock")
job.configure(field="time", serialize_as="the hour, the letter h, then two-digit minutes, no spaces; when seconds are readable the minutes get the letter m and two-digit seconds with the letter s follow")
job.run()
4h58m39s
